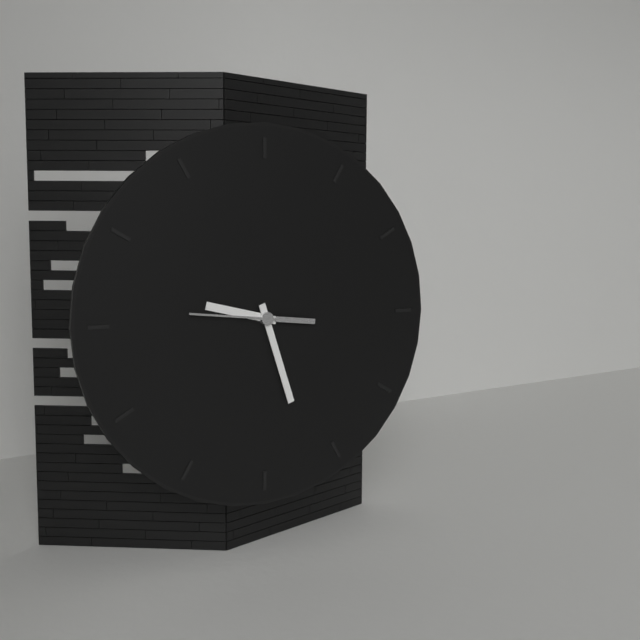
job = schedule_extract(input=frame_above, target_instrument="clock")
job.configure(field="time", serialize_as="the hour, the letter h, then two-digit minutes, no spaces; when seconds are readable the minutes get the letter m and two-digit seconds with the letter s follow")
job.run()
9h27m46s
